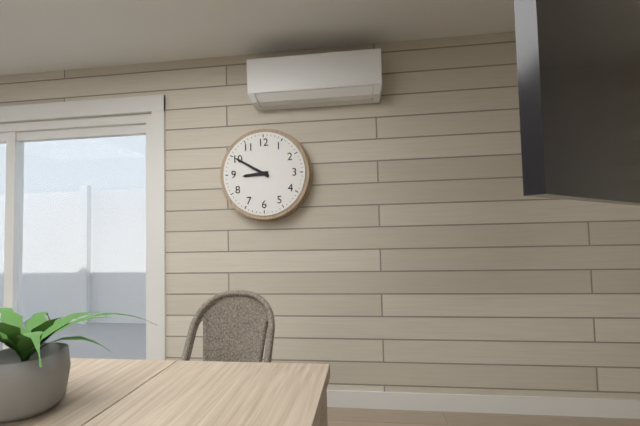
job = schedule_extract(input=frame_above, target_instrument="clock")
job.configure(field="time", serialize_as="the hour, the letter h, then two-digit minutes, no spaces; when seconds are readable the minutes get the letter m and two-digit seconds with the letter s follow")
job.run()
8h50
